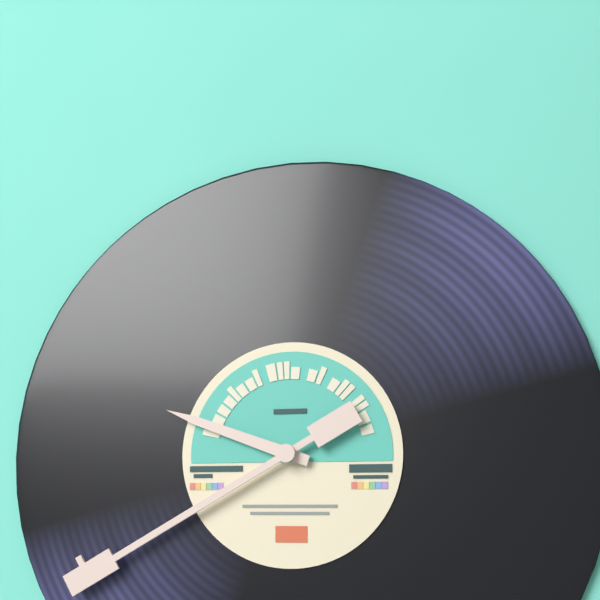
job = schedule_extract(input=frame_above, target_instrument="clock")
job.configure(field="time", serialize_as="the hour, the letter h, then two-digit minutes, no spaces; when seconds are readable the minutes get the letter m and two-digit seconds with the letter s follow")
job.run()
9h40
